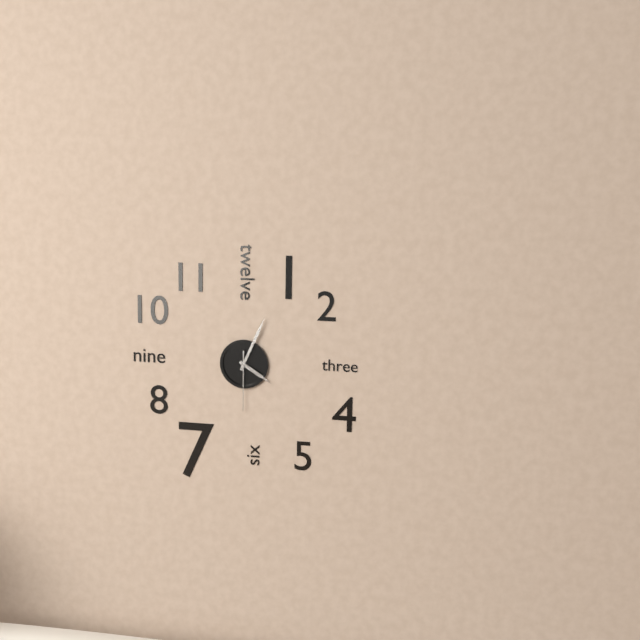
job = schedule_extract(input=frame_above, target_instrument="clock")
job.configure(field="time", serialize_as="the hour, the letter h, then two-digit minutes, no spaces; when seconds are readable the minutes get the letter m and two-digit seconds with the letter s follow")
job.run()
4h04m30s
